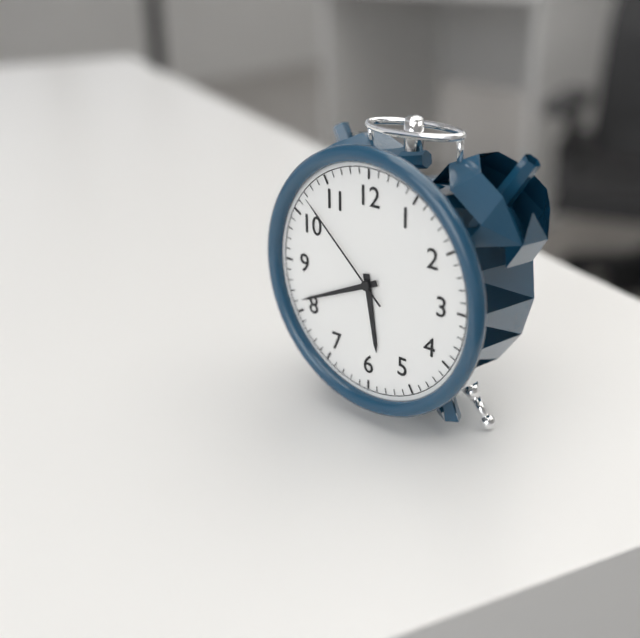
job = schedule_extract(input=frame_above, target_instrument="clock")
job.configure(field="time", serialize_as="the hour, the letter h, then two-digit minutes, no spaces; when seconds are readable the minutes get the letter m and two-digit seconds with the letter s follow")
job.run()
5h41m52s
